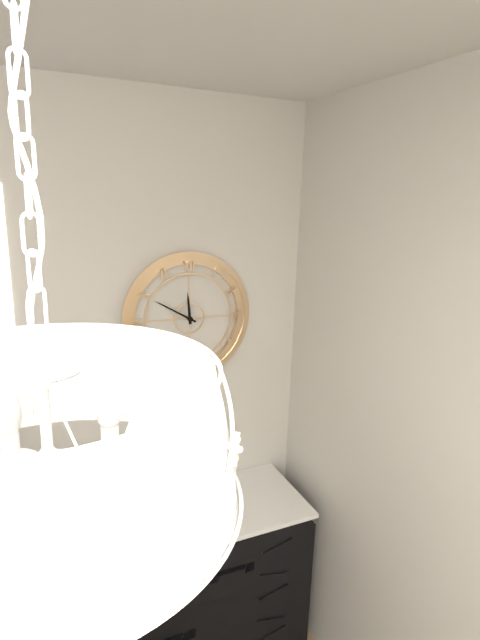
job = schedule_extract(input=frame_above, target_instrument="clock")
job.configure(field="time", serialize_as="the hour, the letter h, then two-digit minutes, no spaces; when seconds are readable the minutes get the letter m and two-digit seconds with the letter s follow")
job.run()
11h50
